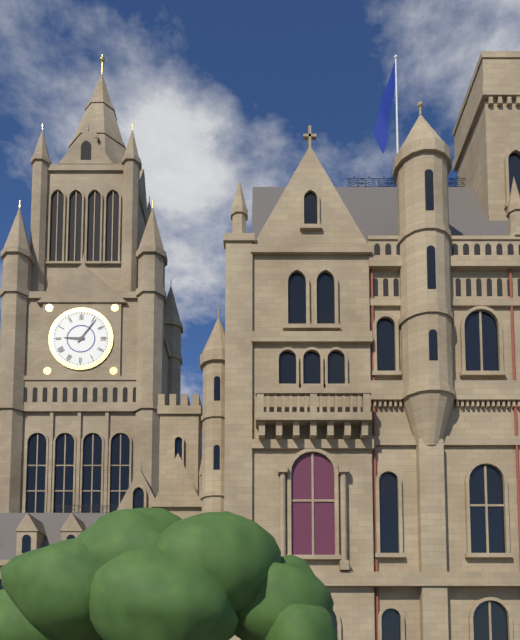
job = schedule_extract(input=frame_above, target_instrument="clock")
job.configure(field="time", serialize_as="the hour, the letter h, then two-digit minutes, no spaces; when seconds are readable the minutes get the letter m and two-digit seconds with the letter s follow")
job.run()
9h06
